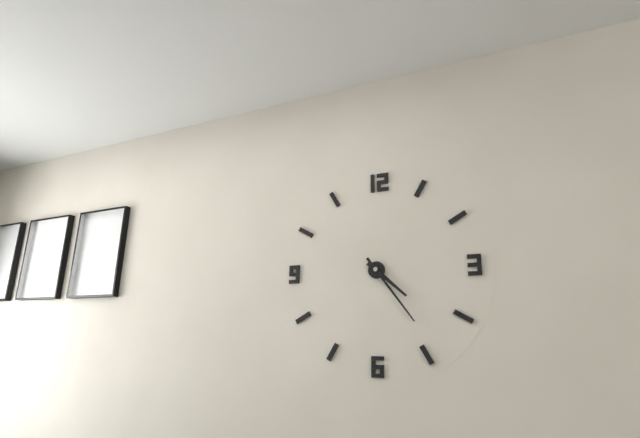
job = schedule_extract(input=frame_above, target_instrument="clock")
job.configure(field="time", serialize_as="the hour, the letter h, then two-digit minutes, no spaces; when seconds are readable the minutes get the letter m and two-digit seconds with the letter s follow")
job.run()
4h24
